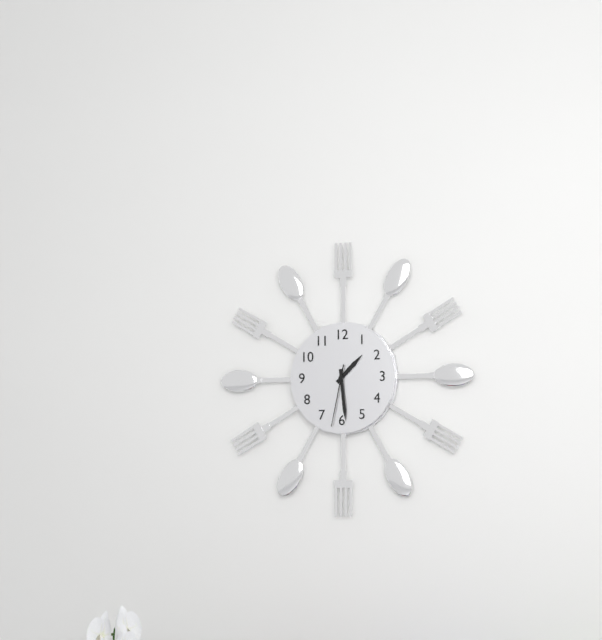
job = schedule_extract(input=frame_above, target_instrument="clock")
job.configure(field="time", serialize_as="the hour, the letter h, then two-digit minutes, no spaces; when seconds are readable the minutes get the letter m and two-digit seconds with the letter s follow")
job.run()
1h29m32s
